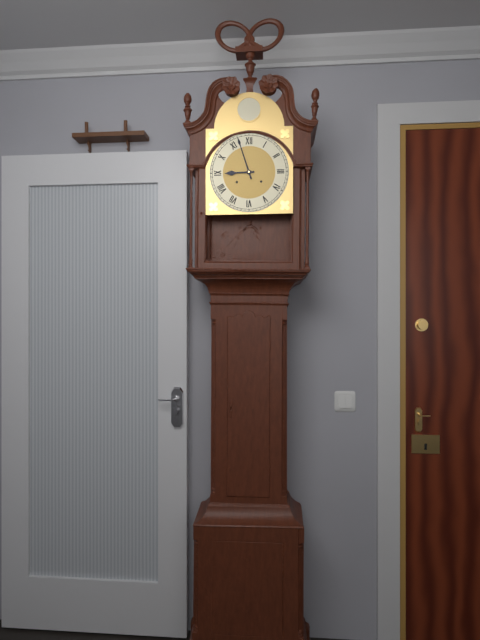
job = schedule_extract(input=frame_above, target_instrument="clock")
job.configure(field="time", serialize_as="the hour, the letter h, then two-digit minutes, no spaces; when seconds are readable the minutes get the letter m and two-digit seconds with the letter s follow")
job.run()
8h57
